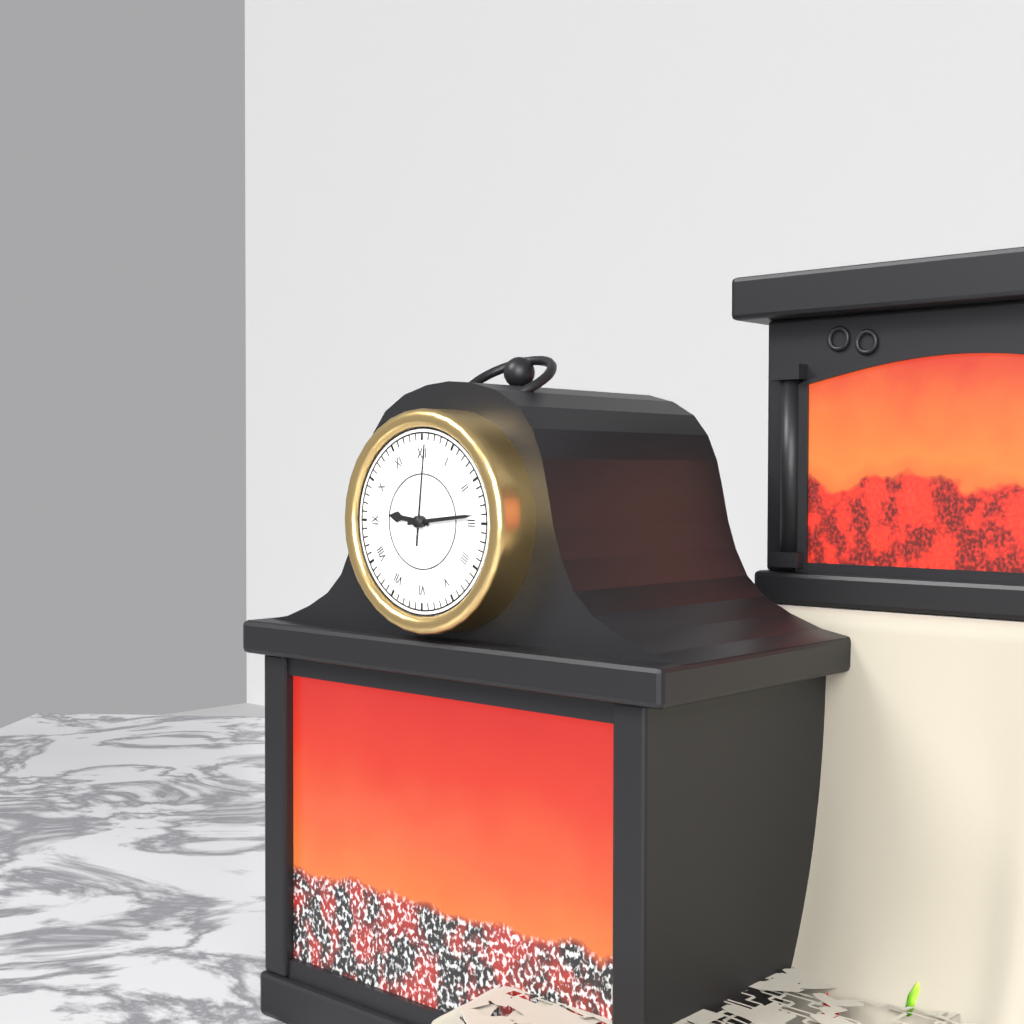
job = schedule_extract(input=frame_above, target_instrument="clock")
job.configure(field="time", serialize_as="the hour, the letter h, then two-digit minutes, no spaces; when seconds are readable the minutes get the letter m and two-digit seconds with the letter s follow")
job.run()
9h14m01s
